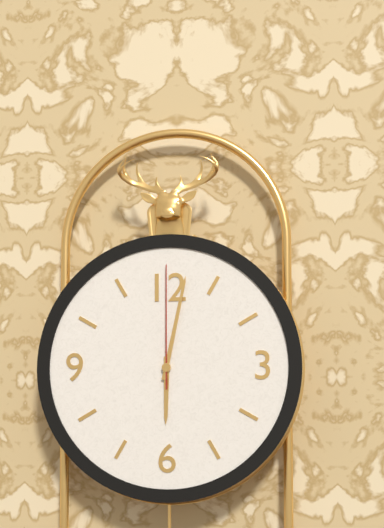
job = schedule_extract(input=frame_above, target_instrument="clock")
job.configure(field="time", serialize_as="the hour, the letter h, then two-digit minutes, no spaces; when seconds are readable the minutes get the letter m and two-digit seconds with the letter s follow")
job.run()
6h02m00s
